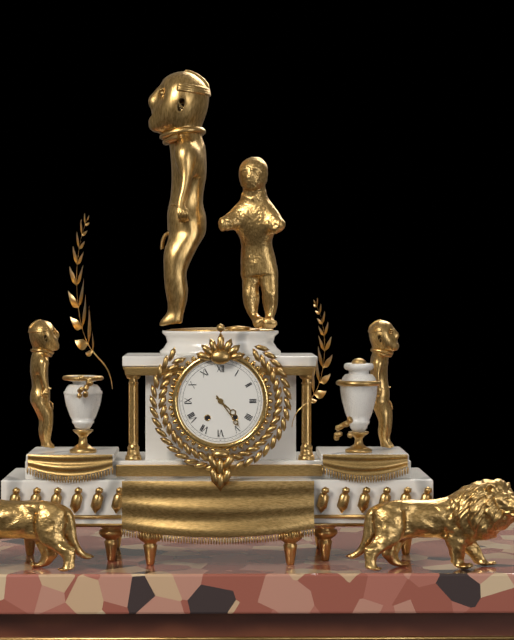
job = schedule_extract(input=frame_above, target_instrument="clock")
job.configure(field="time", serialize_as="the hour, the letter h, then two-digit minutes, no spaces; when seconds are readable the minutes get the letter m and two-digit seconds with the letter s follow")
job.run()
4h24
